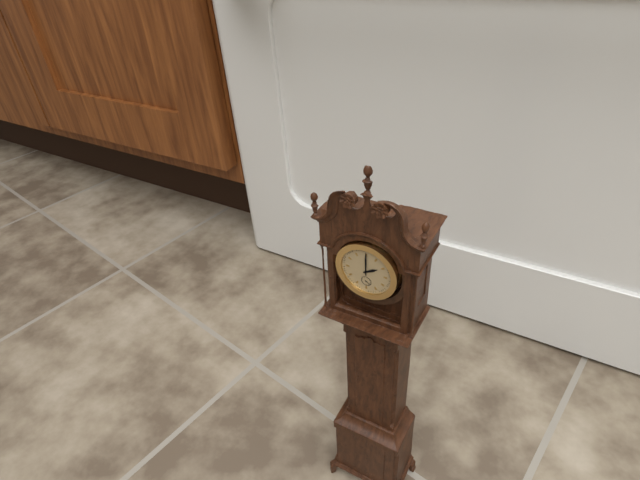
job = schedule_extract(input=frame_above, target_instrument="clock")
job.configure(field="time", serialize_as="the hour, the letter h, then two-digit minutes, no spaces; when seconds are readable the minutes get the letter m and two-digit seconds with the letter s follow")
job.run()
2h00
